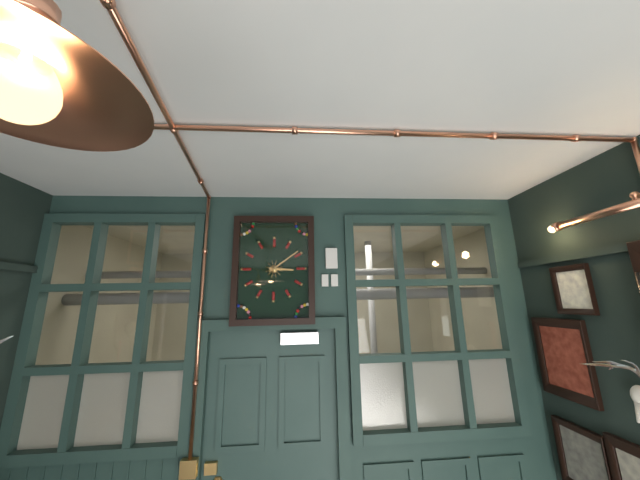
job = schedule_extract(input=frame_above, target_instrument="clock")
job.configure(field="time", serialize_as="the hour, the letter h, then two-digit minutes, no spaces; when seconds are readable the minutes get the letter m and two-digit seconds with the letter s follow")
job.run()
3h09
